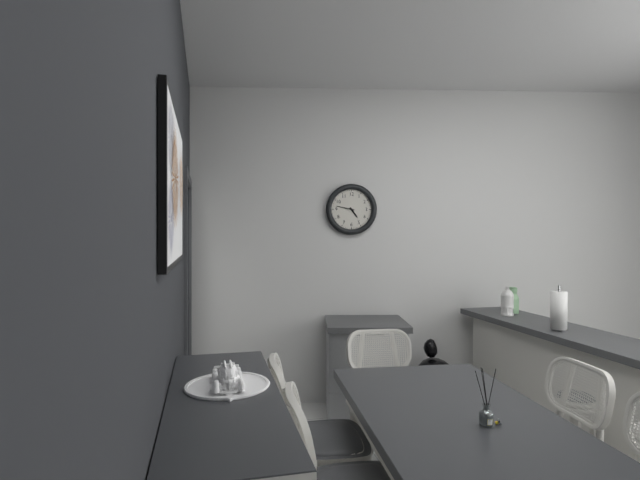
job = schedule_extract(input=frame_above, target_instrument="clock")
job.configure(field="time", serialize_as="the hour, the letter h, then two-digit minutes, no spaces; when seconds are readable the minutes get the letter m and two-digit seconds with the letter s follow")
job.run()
4h47
